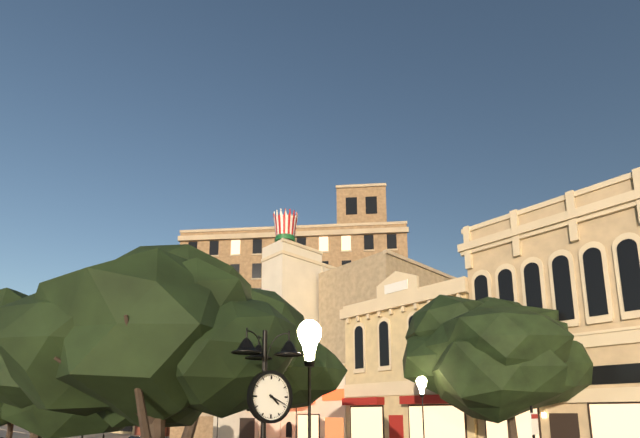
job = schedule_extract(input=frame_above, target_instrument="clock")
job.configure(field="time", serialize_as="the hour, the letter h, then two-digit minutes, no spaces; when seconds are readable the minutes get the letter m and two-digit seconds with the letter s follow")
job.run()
4h19
